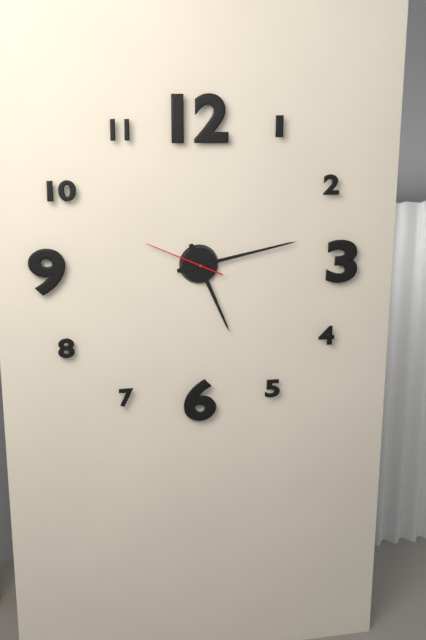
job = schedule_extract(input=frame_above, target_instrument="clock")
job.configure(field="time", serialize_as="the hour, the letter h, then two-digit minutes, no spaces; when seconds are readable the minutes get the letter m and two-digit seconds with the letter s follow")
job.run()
5h13m49s
